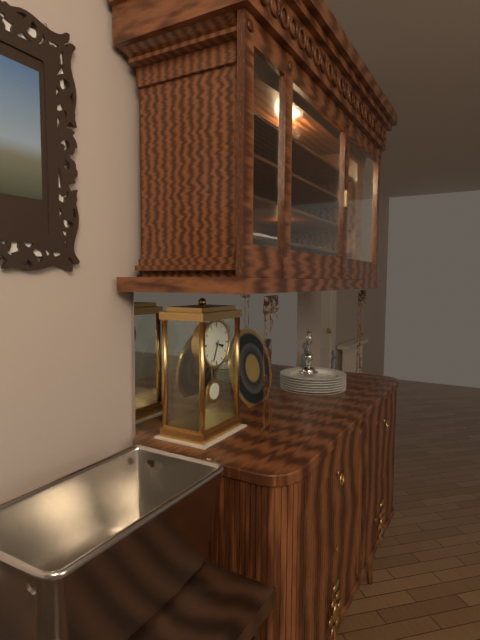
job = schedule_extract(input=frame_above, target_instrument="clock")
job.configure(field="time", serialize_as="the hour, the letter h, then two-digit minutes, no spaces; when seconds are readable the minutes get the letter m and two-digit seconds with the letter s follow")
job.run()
3h34
